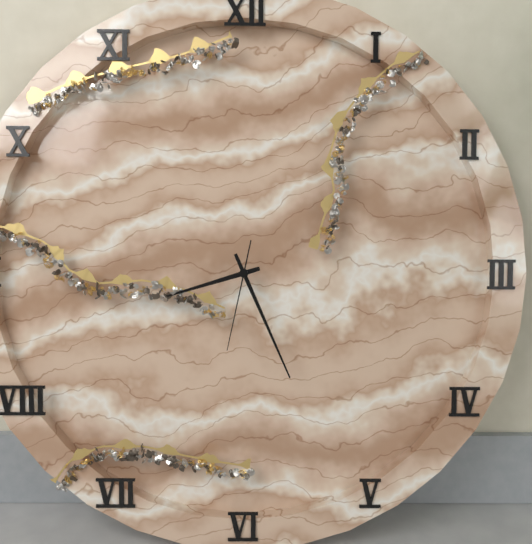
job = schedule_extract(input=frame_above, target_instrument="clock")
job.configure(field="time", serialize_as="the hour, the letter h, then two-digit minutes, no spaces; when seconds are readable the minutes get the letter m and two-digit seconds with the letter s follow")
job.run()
8h26m32s
